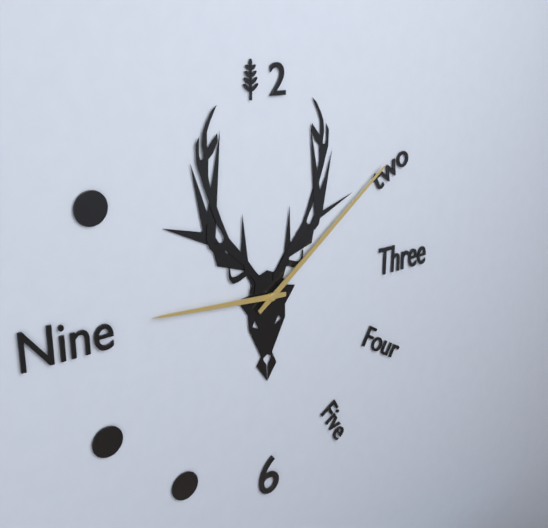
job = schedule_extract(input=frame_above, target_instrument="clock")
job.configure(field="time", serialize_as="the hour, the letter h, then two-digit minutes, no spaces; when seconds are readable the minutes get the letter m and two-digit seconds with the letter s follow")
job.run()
9h09
